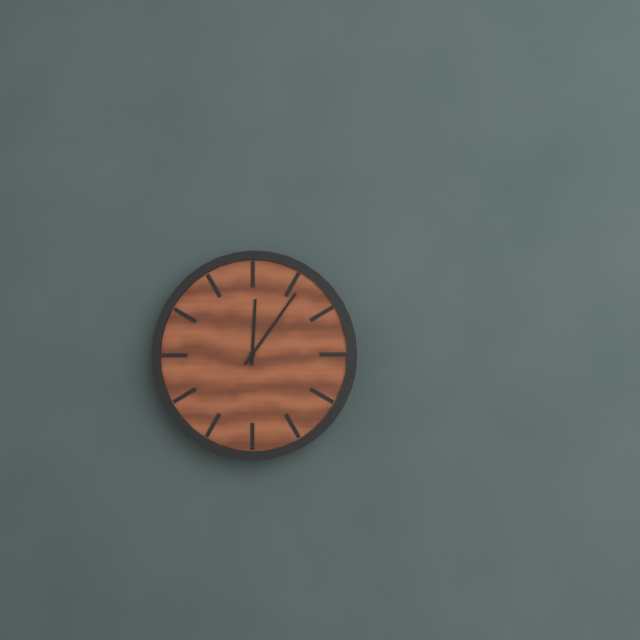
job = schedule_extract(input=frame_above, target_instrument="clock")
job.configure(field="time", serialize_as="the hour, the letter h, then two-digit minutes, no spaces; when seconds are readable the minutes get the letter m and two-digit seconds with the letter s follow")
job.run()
12h06
